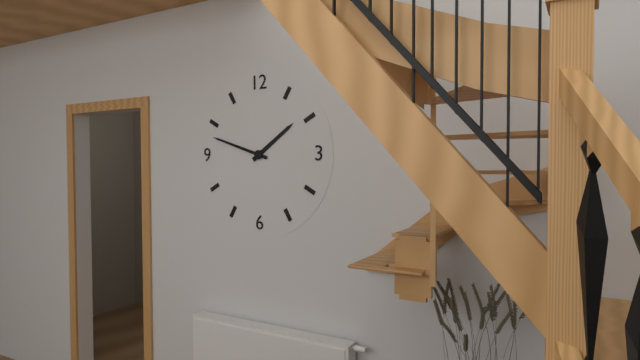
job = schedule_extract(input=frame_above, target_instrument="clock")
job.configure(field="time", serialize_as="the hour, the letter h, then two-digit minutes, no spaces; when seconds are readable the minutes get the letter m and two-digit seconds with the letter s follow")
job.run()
1h48
